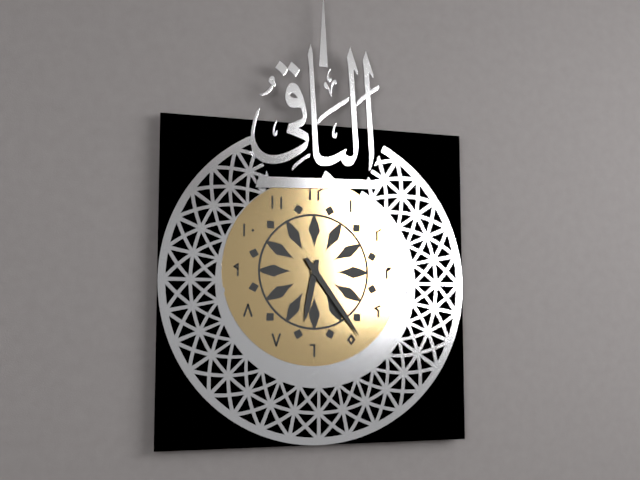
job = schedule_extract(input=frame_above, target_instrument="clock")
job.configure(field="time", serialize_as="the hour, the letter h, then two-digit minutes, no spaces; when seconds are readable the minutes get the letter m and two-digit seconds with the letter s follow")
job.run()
6h24
